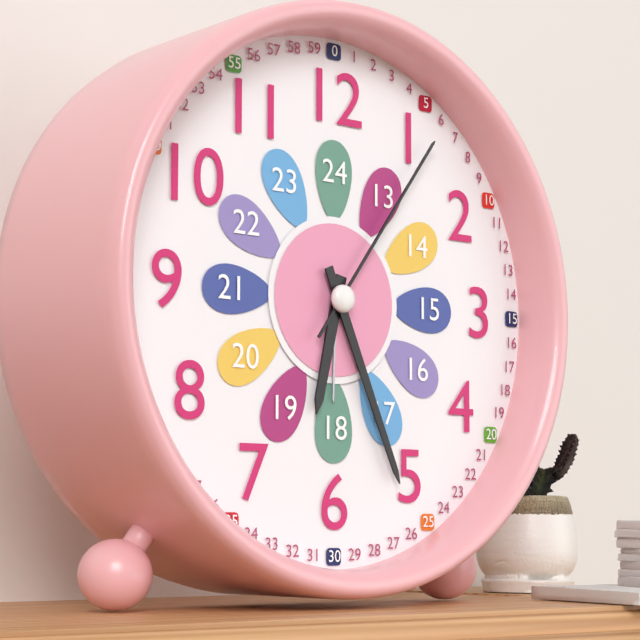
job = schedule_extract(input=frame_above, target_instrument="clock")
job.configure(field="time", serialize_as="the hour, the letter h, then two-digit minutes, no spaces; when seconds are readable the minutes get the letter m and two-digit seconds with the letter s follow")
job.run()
6h26m06s
